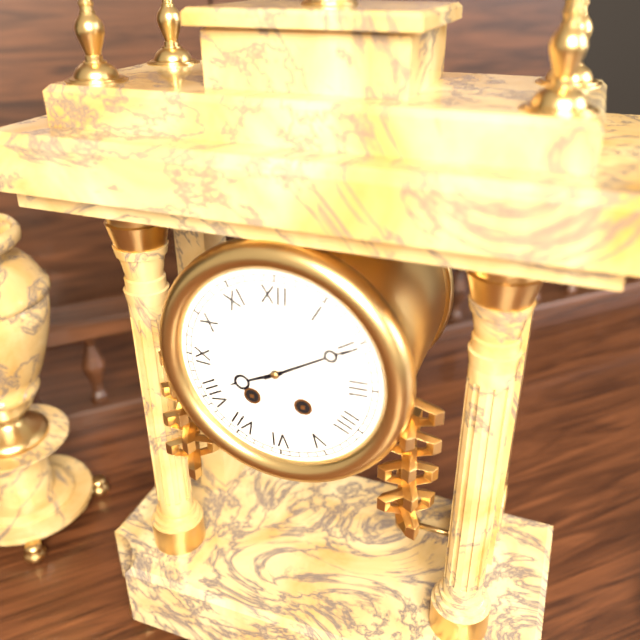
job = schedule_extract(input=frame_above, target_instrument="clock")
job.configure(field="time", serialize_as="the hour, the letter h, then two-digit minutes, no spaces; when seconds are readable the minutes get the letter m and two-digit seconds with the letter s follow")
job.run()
8h10
